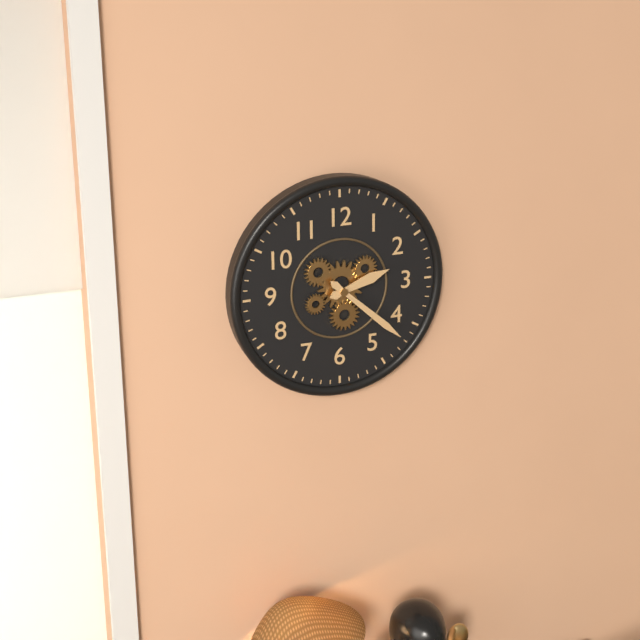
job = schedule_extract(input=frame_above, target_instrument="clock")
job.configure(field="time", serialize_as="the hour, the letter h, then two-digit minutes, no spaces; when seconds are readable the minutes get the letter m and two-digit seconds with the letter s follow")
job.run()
2h22
